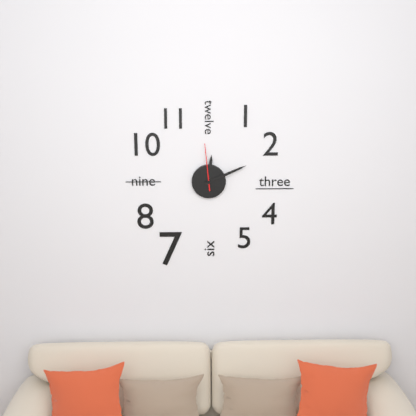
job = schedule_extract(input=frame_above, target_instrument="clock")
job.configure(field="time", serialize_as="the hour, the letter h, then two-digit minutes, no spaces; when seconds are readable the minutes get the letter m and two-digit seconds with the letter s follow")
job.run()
12h11
